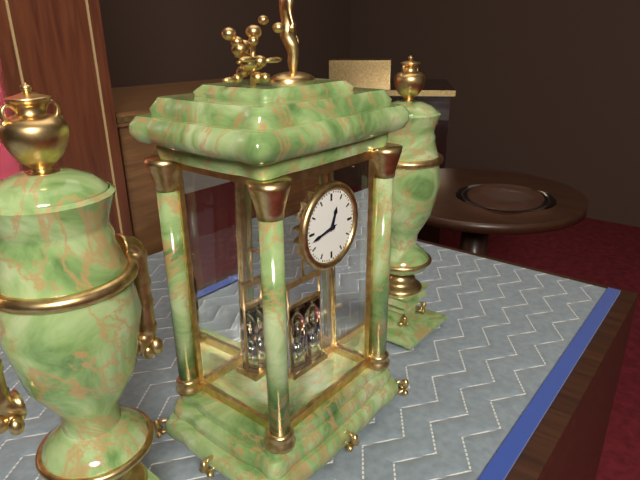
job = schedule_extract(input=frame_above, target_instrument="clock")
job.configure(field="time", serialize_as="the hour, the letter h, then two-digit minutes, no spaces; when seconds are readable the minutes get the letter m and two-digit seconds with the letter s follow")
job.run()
12h43
